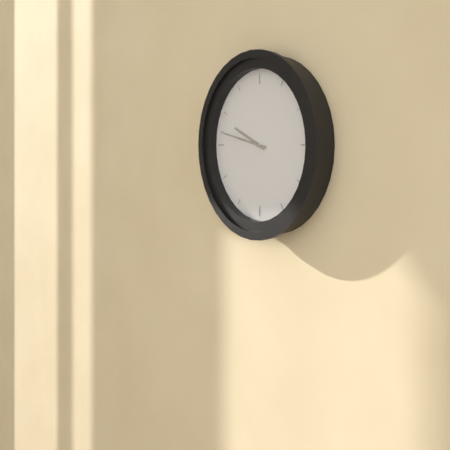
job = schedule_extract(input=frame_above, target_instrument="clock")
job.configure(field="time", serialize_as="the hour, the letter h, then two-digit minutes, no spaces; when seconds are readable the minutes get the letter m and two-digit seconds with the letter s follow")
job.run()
9h47
